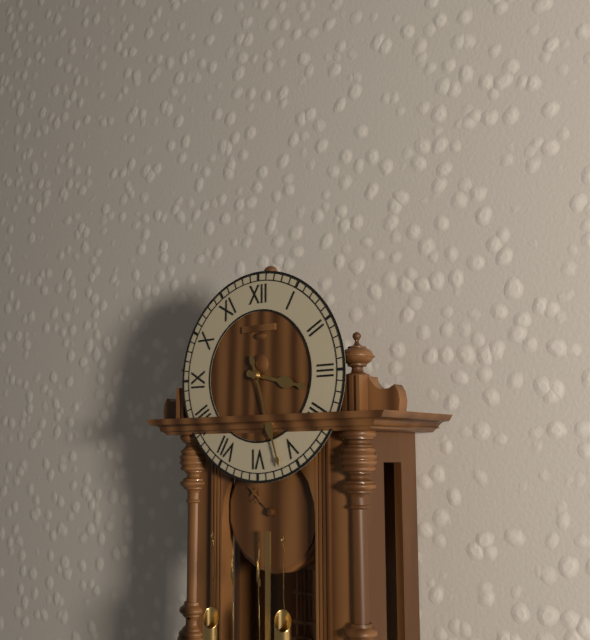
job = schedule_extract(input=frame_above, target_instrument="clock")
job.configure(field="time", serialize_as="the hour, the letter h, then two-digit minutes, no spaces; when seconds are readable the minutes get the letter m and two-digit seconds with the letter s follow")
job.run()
3h27
